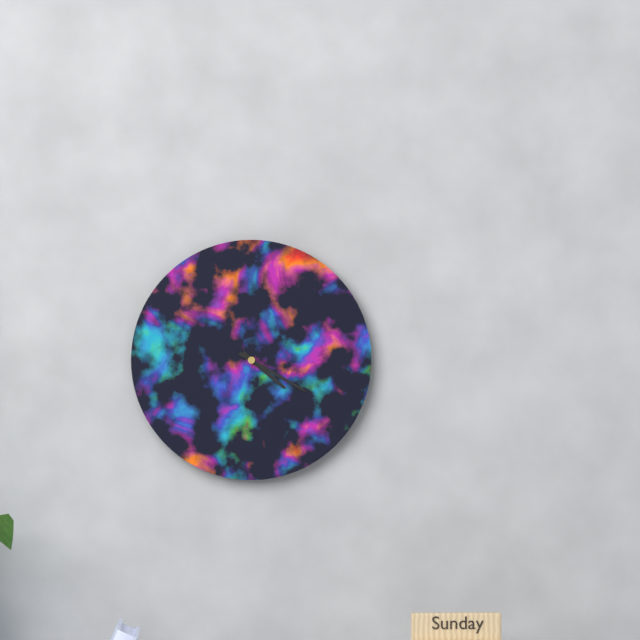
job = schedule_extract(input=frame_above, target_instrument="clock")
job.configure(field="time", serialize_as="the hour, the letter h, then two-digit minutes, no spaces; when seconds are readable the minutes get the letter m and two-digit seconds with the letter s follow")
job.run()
4h20
